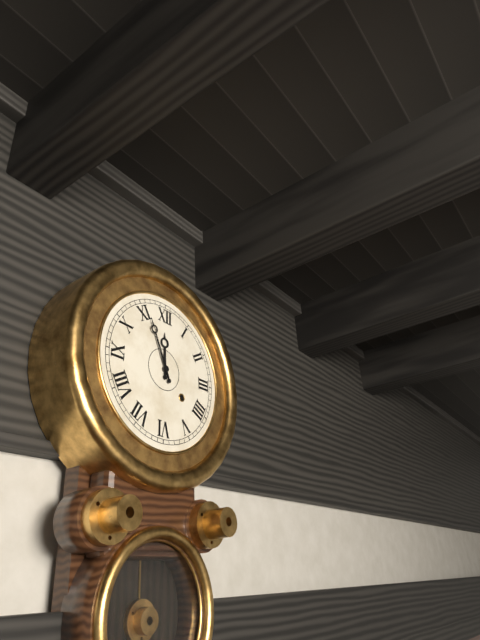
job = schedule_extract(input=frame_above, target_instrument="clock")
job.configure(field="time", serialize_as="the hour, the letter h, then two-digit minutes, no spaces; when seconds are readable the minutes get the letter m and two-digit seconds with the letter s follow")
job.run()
11h56
